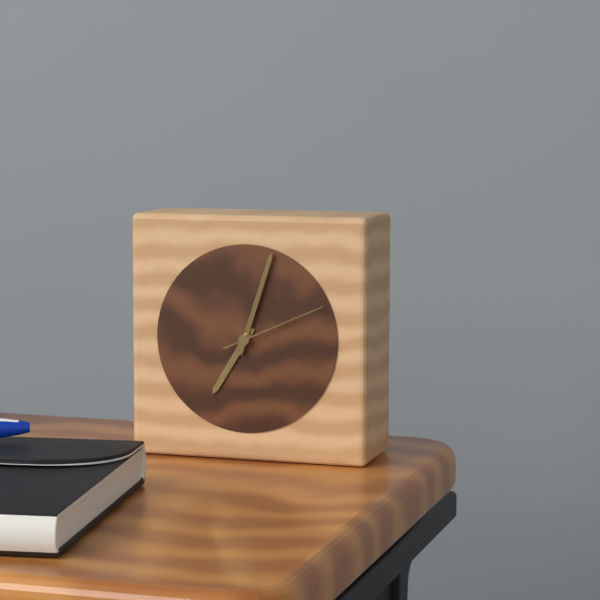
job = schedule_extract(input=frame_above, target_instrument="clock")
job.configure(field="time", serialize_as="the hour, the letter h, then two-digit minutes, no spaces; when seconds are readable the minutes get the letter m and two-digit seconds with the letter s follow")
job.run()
7h03m11s
